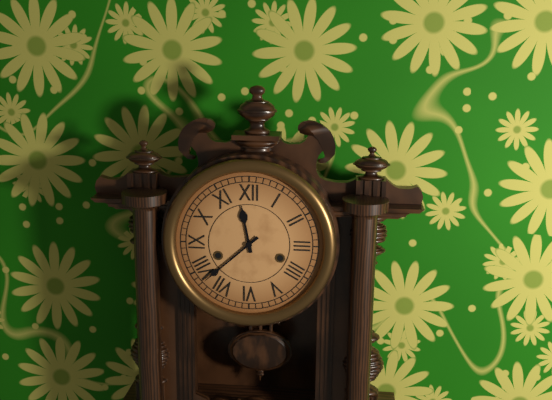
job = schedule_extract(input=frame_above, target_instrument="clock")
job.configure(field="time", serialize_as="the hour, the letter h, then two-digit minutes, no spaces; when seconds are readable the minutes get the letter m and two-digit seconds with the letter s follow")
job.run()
11h38
